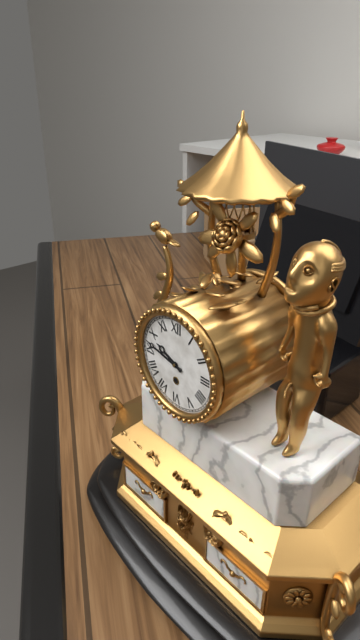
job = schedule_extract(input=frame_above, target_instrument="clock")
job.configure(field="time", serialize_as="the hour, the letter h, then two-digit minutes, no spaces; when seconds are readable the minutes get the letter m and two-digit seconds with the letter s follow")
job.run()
9h47
